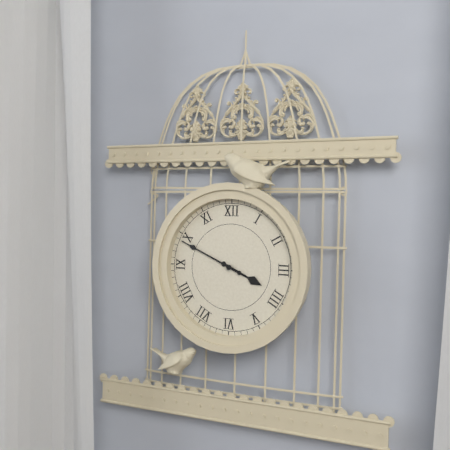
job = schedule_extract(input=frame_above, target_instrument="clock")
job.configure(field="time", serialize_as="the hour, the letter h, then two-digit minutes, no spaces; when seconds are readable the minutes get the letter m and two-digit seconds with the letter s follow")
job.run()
3h49
